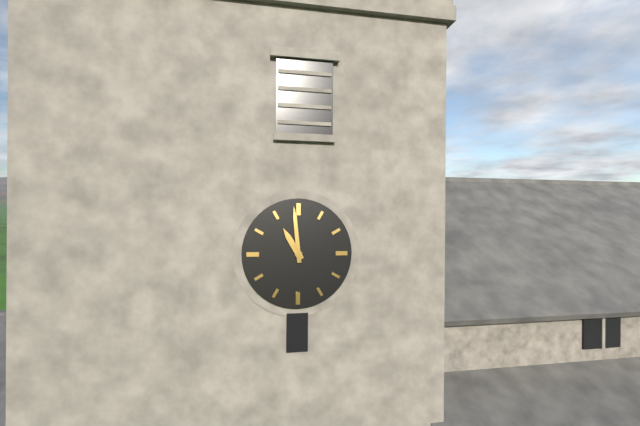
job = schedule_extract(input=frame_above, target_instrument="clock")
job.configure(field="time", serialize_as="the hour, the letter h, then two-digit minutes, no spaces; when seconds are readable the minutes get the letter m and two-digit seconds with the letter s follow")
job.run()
10h59
